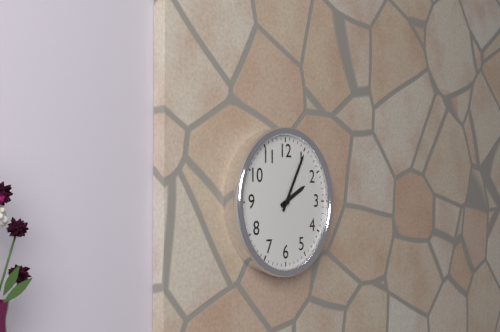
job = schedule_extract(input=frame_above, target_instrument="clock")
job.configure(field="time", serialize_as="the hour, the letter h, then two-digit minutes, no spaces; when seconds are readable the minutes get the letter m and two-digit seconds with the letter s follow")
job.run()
2h05
